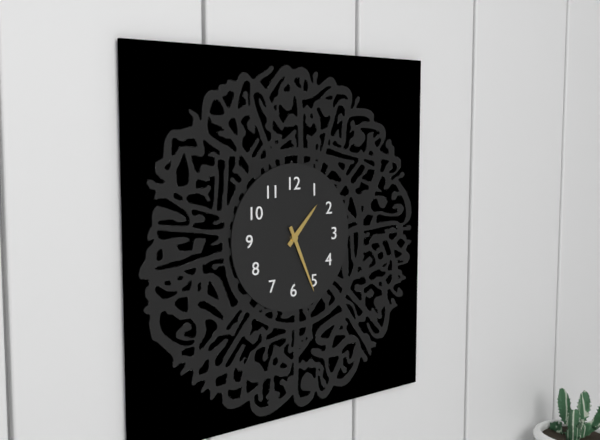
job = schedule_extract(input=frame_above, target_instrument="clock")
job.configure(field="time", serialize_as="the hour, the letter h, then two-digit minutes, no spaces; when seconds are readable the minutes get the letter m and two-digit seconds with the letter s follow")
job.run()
1h26
